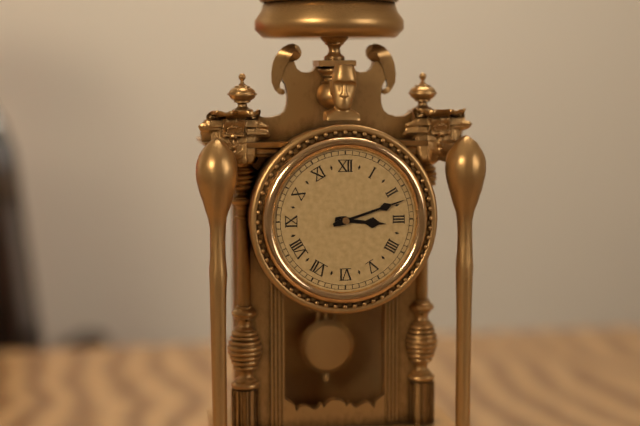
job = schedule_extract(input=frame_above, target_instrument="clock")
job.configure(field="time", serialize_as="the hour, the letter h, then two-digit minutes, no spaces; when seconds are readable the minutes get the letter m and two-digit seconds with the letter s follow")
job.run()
3h12
